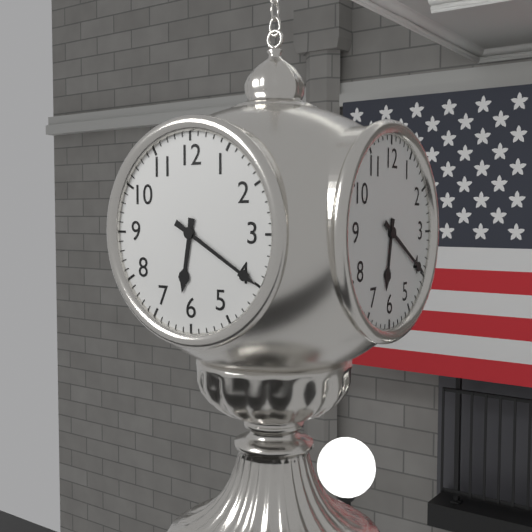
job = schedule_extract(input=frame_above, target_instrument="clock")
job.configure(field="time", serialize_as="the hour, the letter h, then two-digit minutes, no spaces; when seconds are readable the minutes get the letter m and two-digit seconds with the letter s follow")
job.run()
6h20
